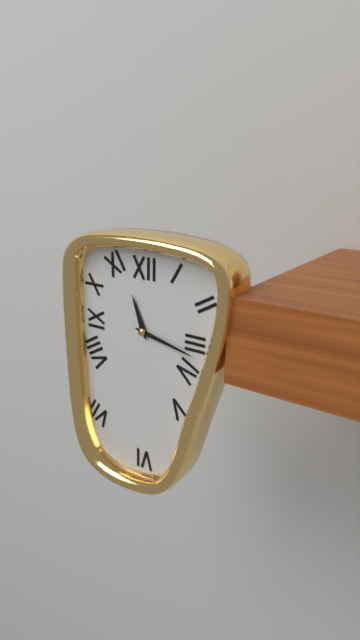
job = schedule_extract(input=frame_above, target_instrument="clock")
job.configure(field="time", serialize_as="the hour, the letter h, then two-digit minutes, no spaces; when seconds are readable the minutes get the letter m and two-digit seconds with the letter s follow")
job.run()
11h17
